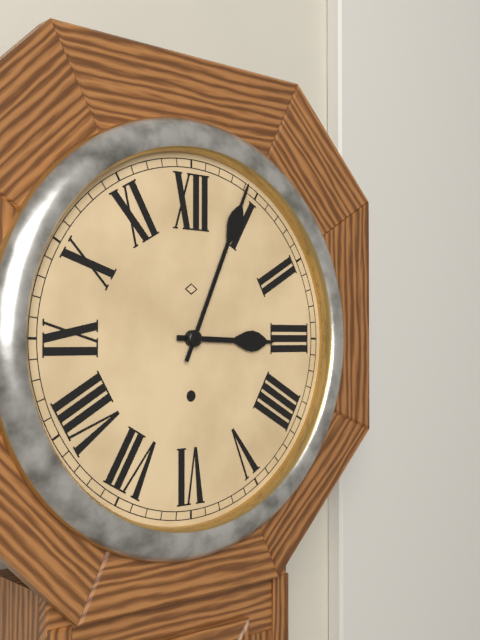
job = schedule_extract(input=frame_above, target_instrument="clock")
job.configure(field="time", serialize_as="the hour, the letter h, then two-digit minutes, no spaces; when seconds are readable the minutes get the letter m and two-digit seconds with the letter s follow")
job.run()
3h04
